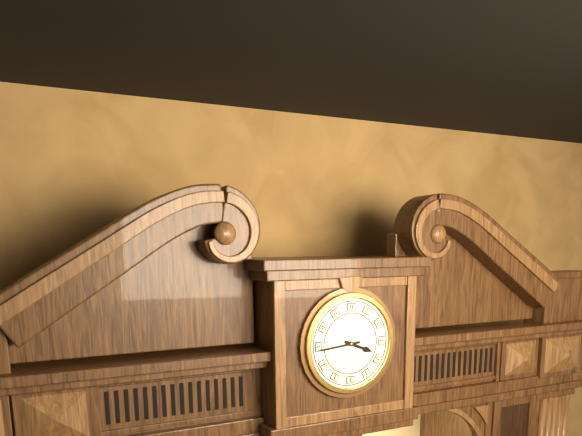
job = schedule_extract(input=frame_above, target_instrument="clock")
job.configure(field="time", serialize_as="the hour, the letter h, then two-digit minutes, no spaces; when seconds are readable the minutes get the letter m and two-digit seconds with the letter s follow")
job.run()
3h44
